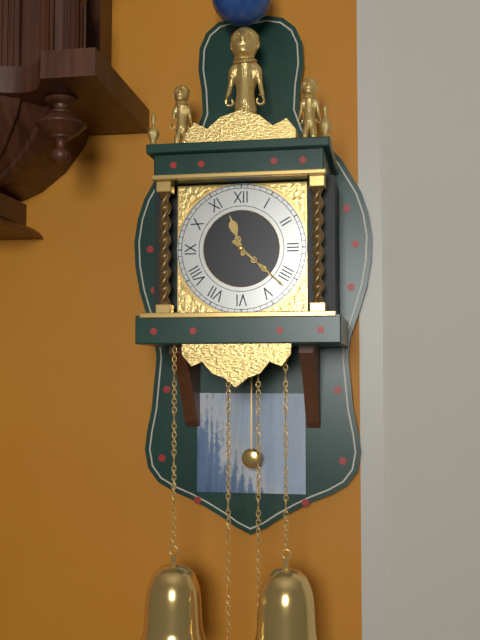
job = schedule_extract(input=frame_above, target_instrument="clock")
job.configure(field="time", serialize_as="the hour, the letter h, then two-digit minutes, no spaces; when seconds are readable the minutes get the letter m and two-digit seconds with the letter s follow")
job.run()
11h22
